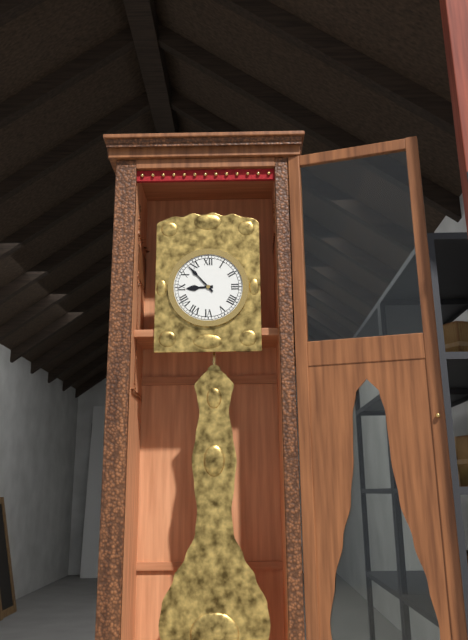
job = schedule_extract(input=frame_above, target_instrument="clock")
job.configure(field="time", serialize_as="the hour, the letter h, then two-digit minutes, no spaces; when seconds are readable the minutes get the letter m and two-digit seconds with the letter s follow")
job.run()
8h53
